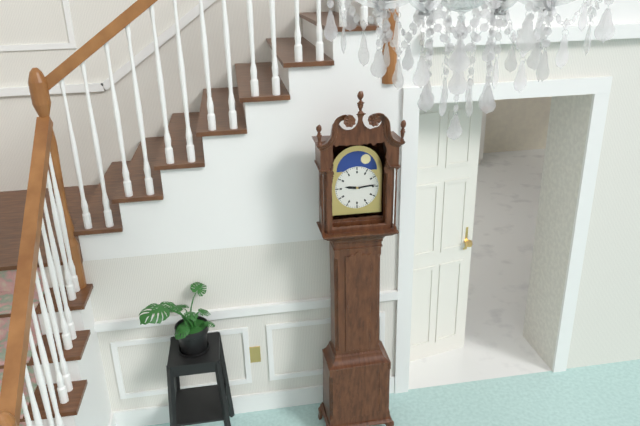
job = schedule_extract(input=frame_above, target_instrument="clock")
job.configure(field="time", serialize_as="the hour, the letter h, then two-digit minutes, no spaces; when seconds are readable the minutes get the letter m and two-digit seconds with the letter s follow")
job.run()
9h14
